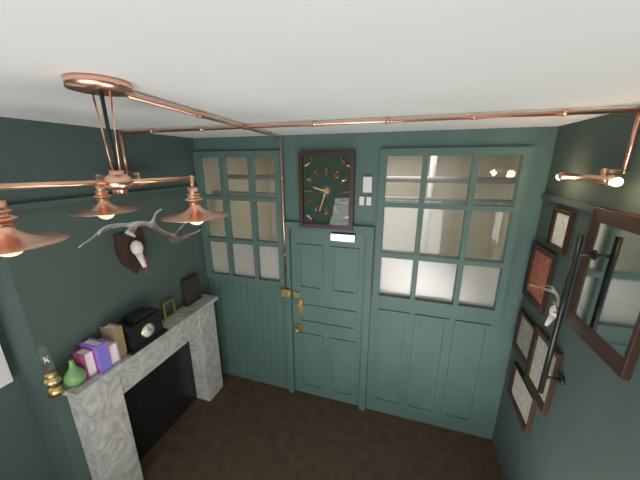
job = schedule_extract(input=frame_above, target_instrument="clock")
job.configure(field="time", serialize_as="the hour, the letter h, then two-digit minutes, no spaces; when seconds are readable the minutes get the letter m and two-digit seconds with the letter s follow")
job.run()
9h33
